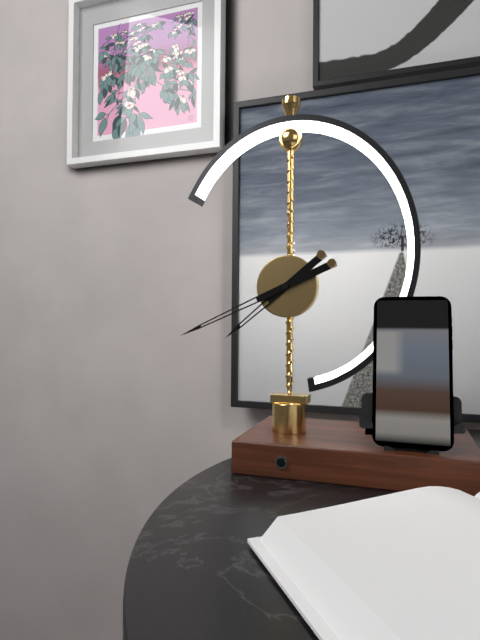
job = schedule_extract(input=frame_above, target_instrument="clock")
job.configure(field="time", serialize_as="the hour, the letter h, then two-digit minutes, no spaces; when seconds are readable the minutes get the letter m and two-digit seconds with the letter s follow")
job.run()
7h41
